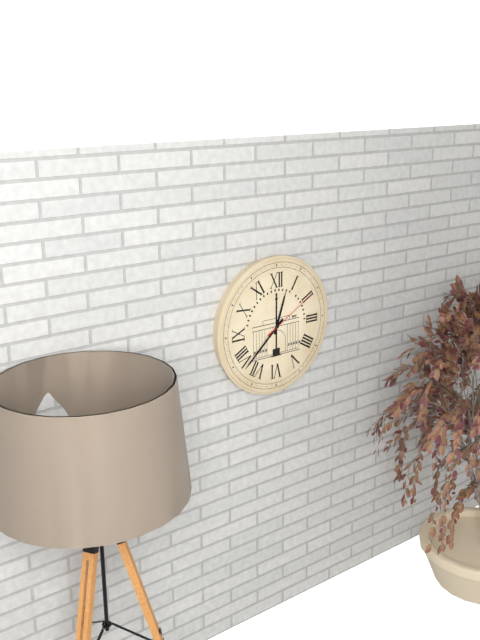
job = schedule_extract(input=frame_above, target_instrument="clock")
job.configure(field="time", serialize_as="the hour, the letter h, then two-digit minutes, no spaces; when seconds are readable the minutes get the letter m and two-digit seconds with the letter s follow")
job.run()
12h38m10s
